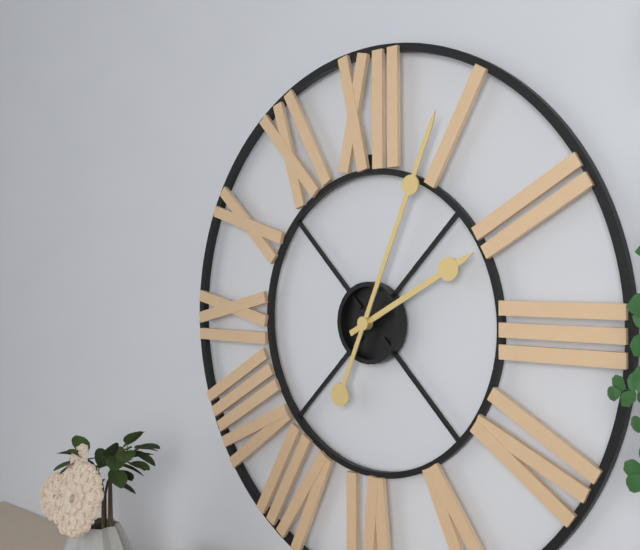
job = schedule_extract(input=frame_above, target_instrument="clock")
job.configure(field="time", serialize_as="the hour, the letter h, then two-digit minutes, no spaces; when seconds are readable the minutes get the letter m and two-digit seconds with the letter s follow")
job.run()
2h04
